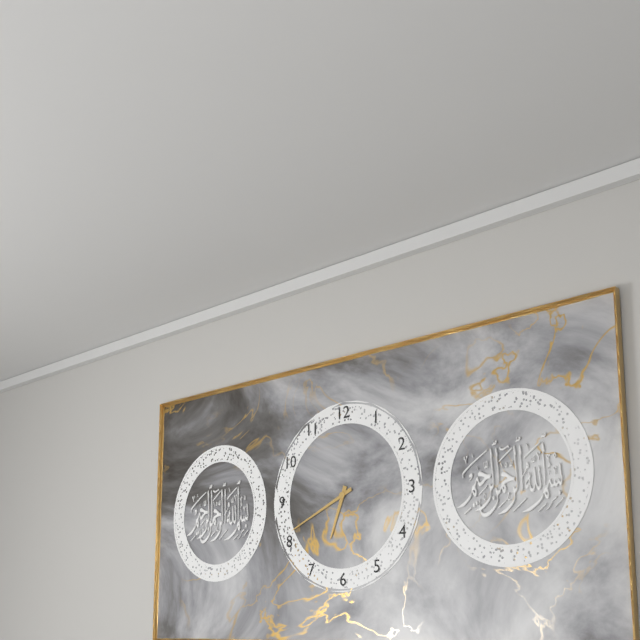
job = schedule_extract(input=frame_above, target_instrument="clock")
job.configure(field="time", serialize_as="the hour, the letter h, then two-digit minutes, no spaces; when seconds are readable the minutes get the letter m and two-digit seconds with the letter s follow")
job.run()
6h41
